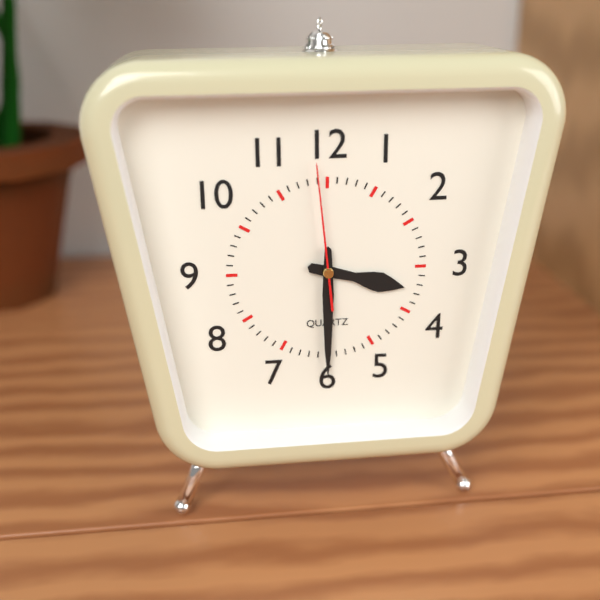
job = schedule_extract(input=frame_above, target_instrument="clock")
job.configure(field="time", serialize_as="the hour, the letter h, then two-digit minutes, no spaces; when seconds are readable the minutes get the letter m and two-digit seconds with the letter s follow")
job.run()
3h30m59s
